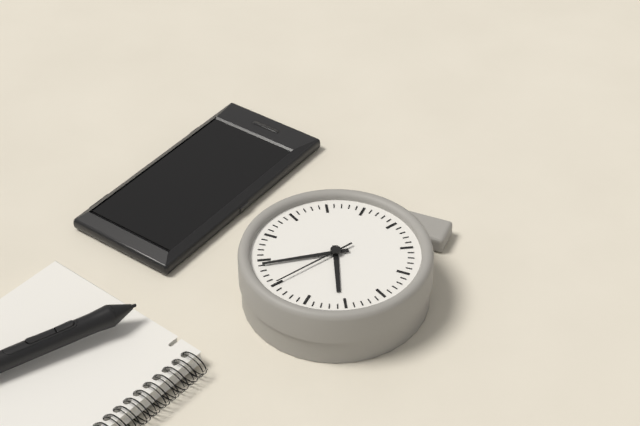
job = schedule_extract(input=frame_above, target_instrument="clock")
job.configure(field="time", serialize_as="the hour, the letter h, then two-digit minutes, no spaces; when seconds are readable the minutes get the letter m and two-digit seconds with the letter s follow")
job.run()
11h09m05s
